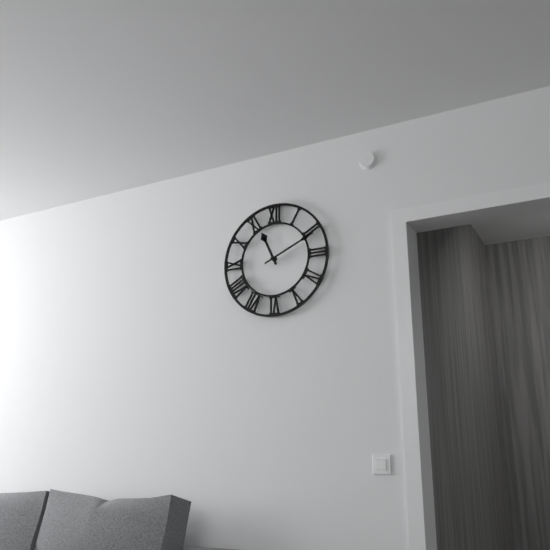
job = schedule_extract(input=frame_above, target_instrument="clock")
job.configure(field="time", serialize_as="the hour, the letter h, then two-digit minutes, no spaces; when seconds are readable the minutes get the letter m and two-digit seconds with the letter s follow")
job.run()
11h11
